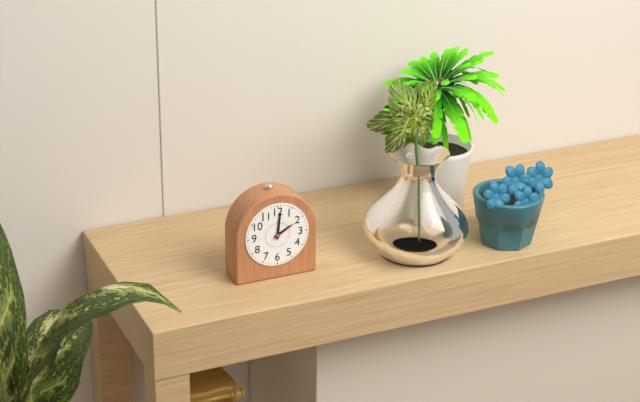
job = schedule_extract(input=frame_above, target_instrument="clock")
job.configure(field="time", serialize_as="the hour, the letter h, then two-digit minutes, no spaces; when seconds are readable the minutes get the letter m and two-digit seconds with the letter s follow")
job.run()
2h01
